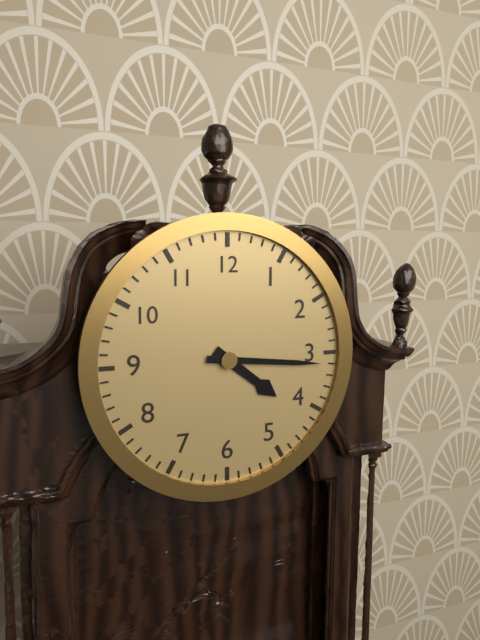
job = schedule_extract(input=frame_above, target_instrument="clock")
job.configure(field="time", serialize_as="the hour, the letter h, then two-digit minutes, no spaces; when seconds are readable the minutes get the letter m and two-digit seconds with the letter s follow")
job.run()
4h16
